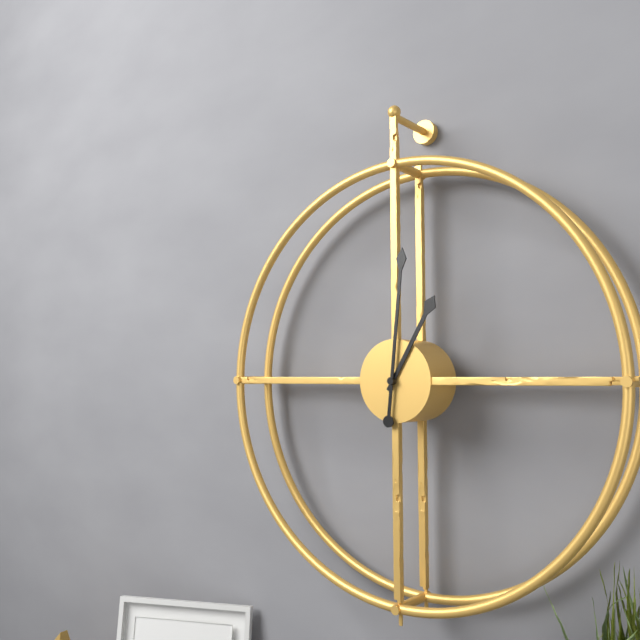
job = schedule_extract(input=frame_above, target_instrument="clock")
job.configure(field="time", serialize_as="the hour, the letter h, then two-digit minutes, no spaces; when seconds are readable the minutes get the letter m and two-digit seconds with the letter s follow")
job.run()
1h01
